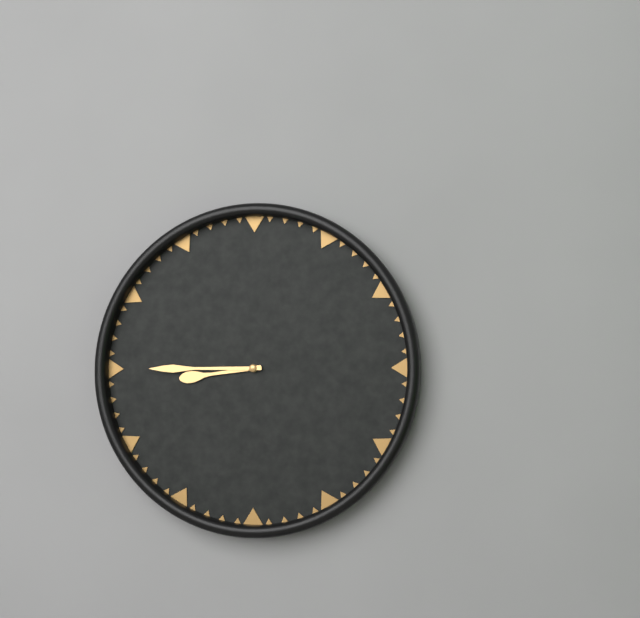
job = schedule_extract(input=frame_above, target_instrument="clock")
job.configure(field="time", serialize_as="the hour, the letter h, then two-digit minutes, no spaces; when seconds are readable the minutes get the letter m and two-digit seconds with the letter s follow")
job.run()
8h45
